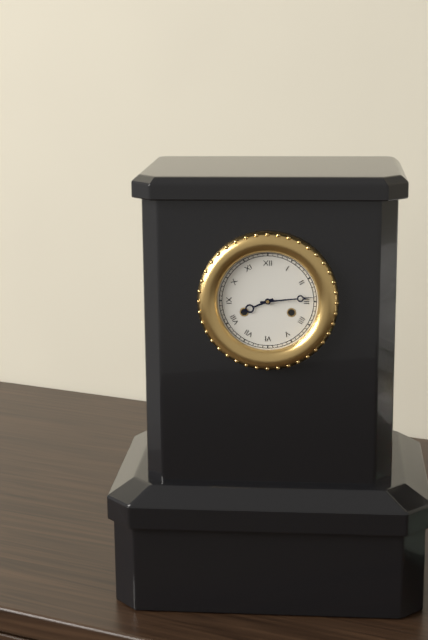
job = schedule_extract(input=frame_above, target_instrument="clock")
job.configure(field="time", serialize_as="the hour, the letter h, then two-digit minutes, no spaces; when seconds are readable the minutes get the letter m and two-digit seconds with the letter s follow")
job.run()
8h14
